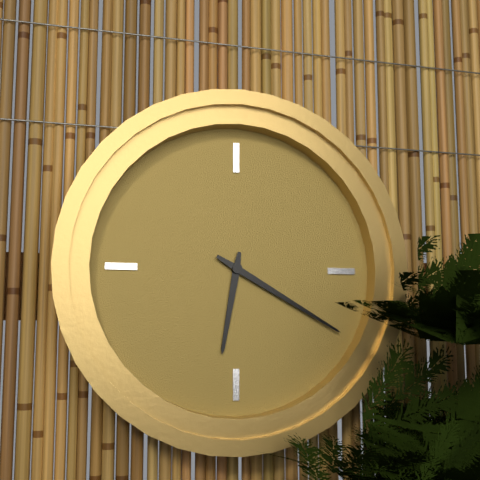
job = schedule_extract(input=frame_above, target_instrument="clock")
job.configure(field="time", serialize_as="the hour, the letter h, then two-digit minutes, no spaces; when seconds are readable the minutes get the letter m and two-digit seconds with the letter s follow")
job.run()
6h20
